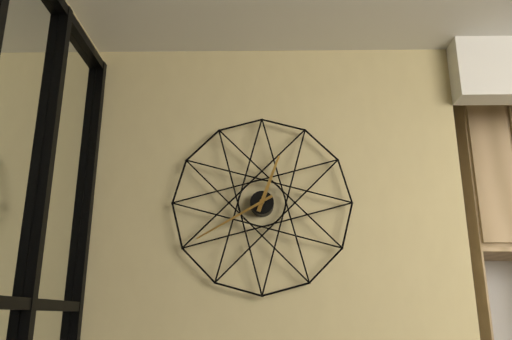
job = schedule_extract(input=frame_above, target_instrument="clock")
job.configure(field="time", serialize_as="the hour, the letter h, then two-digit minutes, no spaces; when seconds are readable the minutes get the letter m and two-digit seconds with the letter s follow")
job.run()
12h40
